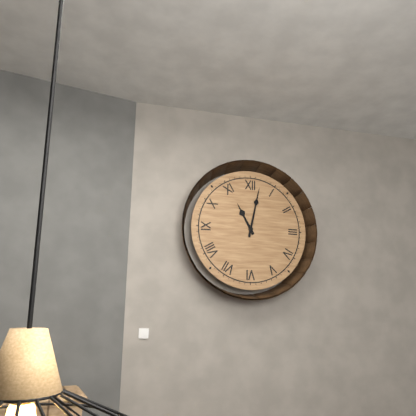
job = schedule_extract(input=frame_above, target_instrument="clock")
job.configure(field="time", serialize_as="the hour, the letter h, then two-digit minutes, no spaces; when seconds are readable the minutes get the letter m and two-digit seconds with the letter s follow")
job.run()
11h02
